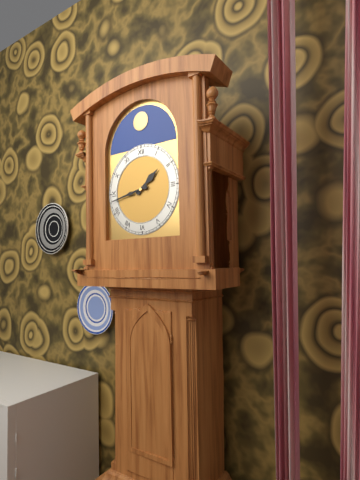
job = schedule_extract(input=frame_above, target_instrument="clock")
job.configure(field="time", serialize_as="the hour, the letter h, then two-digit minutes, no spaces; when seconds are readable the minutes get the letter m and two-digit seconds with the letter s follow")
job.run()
1h43
